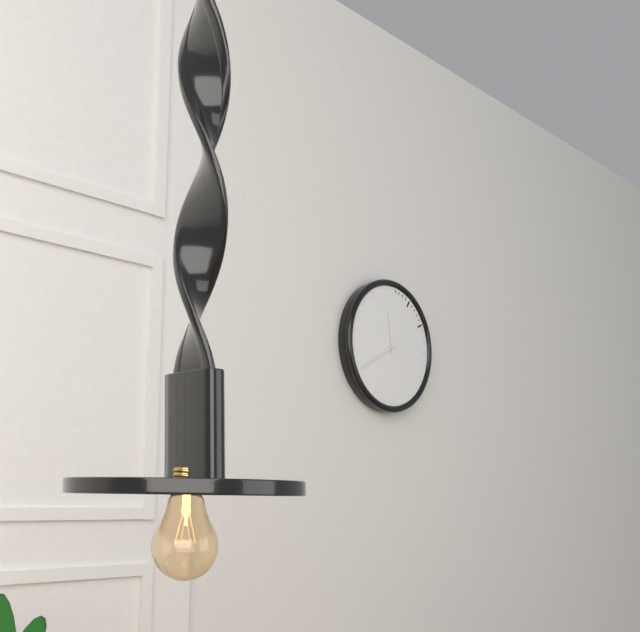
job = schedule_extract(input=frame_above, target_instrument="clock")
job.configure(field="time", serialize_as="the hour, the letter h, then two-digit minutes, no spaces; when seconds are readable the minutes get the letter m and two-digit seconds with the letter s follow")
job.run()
11h40
